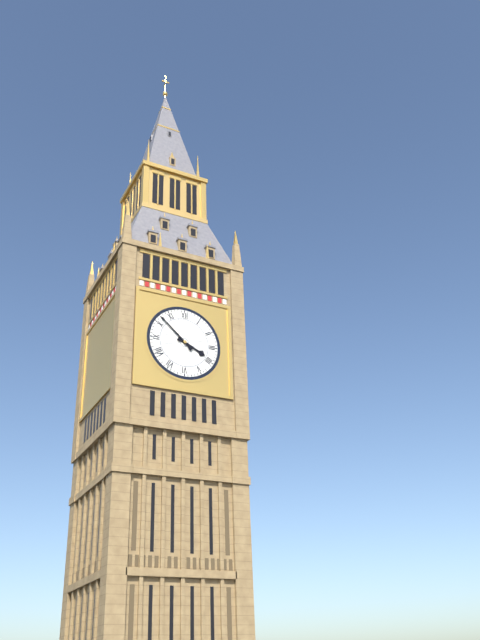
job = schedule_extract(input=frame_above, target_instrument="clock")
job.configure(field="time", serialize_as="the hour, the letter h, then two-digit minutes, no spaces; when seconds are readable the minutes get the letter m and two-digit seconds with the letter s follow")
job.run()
3h52
